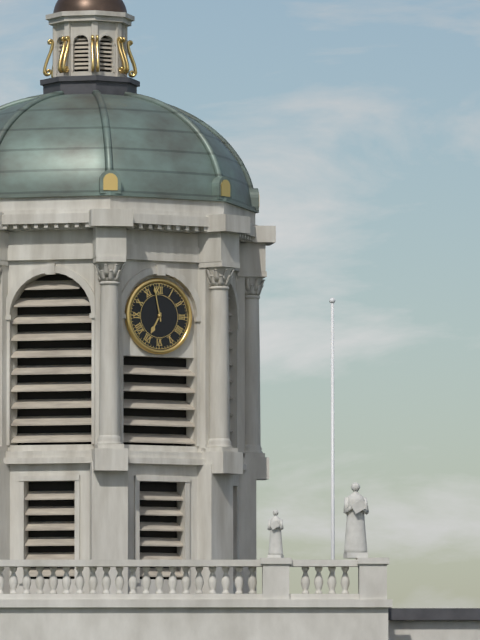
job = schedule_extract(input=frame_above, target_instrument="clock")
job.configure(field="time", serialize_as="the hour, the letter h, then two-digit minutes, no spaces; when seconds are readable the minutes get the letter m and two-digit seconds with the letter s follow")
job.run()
6h58
